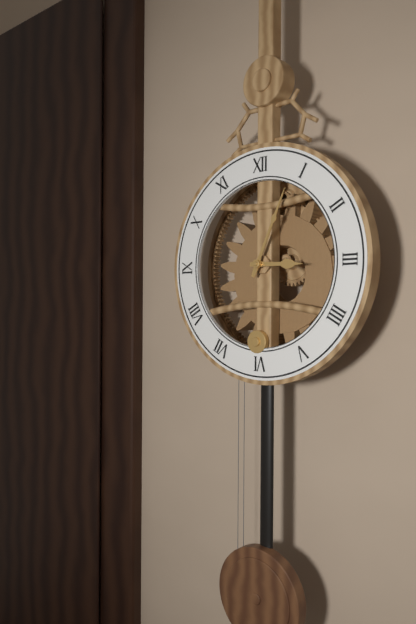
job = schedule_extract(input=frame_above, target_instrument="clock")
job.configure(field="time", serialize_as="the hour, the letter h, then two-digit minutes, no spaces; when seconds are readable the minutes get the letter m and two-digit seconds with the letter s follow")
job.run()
3h04
